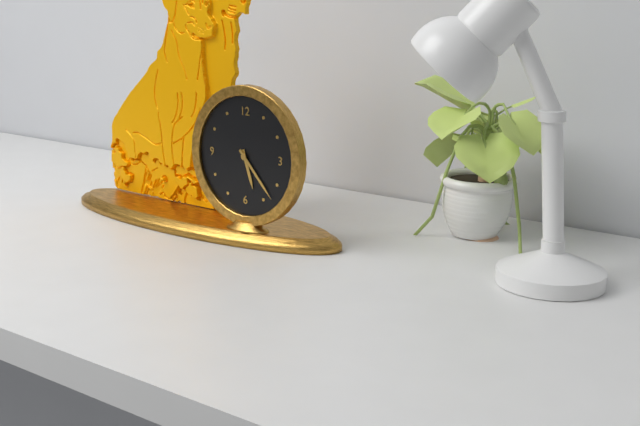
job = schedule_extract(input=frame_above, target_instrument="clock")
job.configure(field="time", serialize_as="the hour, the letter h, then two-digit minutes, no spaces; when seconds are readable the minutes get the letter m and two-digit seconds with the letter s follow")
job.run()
5h23
